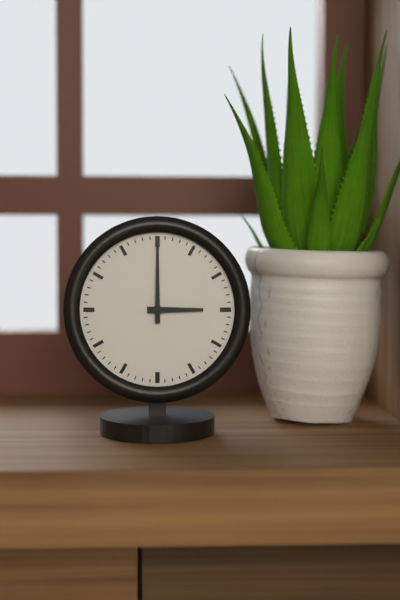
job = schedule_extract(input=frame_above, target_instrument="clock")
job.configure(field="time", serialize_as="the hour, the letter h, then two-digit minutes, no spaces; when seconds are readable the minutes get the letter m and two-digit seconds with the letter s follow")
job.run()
3h00
